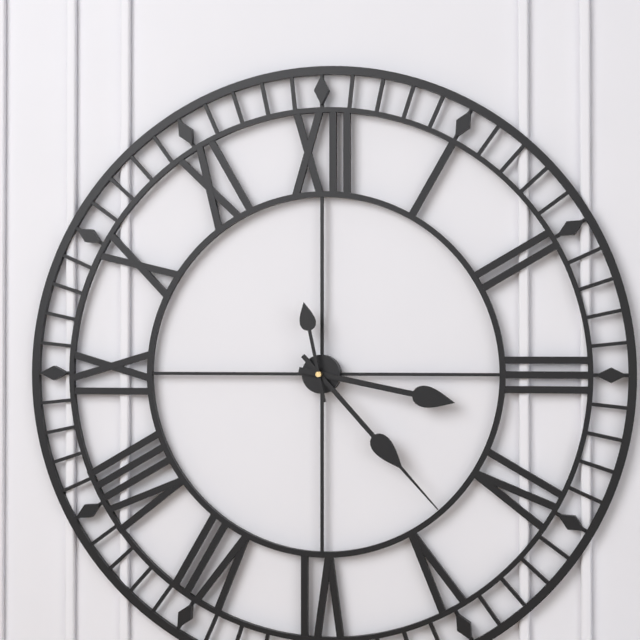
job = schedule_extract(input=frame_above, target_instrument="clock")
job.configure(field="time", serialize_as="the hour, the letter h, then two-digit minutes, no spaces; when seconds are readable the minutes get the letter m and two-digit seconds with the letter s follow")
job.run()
3h23m58s
